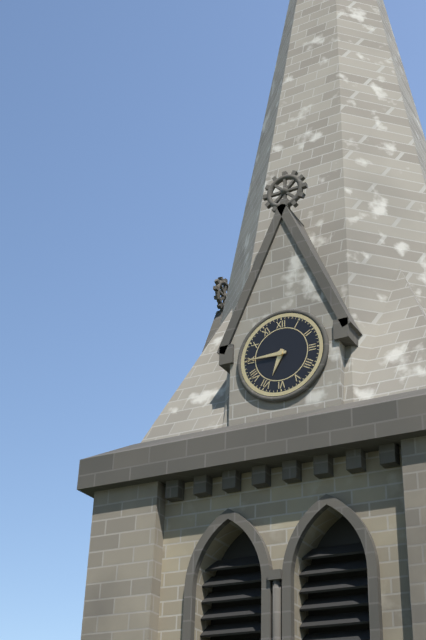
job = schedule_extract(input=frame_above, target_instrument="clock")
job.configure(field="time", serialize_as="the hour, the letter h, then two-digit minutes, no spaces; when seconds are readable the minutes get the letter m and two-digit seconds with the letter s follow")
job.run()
6h45
